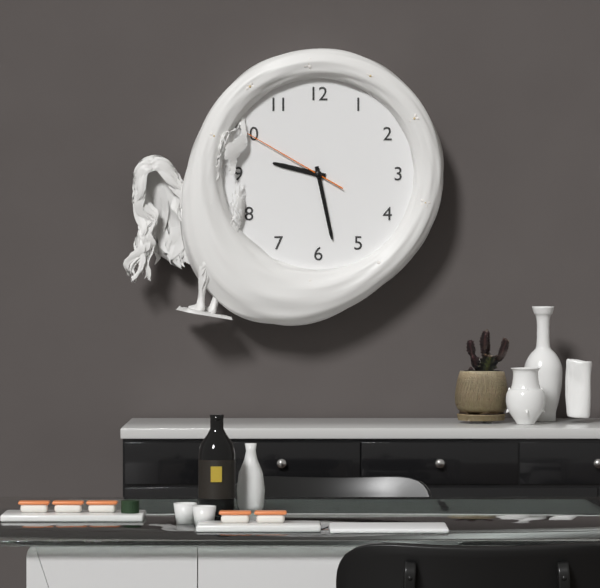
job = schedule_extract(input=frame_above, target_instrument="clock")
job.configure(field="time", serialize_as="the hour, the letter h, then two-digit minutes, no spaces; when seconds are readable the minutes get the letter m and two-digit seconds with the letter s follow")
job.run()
9h28m50s
